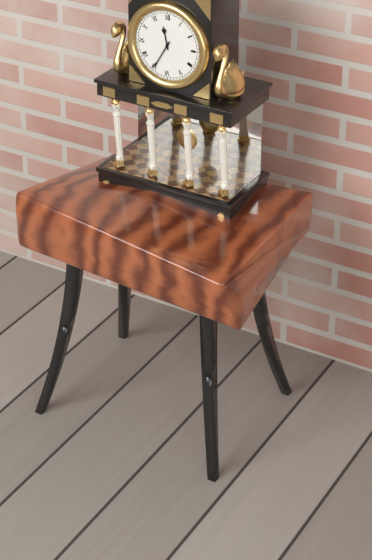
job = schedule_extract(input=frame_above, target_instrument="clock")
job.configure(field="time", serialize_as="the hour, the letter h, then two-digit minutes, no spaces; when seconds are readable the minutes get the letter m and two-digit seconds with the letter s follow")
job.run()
11h35
